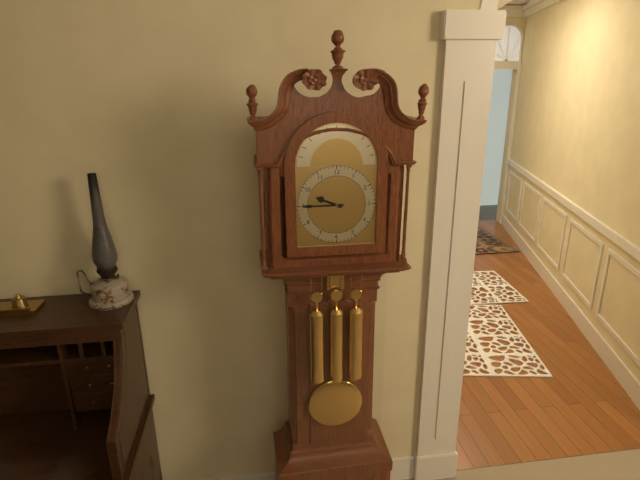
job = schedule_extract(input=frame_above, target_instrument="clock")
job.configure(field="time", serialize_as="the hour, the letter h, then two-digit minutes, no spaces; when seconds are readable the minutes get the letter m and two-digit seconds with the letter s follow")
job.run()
9h45
